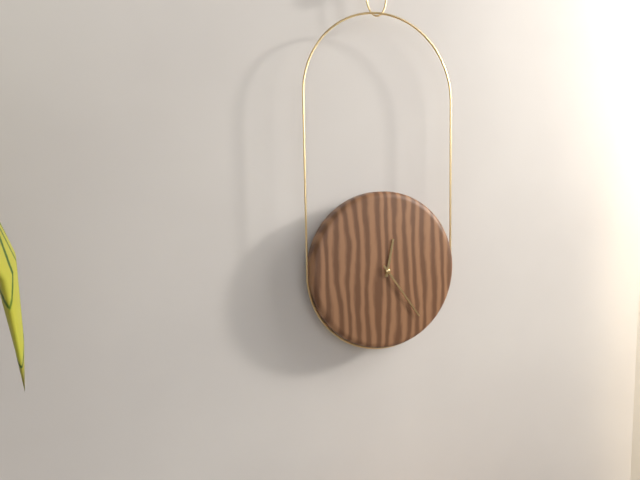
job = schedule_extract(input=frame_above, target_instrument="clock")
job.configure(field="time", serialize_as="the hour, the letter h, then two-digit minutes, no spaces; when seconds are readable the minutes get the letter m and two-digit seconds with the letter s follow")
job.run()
12h24
